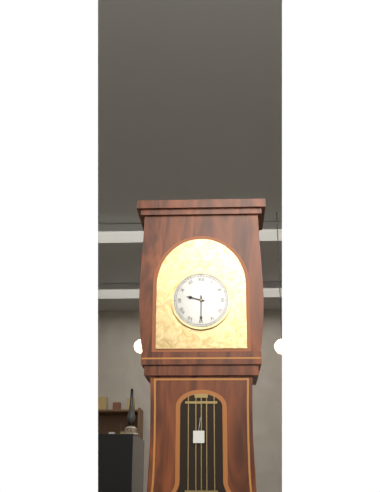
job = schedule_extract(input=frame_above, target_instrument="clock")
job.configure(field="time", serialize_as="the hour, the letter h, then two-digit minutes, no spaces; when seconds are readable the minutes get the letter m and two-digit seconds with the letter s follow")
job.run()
9h30
